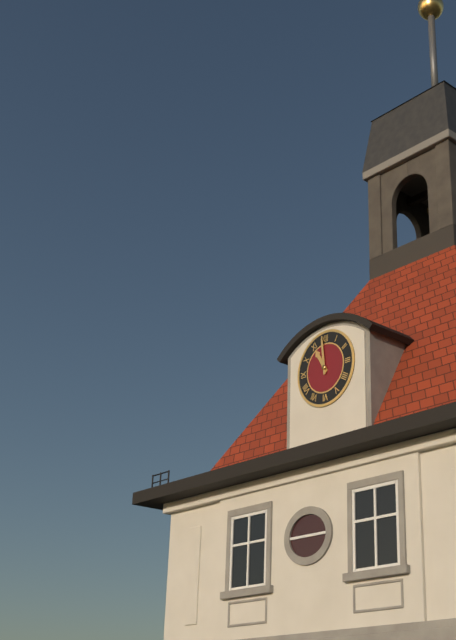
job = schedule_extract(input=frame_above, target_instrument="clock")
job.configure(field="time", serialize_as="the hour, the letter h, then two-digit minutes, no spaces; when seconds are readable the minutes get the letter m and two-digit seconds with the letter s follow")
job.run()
10h59
